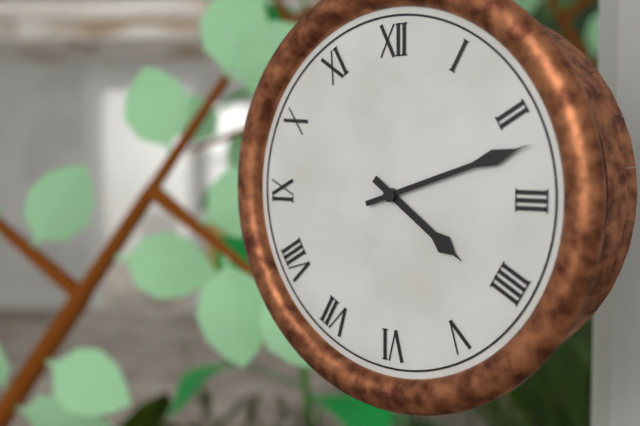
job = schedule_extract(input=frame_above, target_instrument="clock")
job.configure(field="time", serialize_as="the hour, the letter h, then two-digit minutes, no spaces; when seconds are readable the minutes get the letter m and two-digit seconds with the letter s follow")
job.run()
4h12
